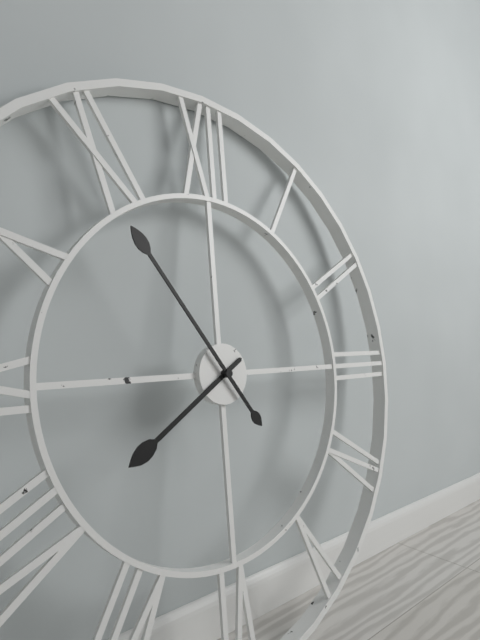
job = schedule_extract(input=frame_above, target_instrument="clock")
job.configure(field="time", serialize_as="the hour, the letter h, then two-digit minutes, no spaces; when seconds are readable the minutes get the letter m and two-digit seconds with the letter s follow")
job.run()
7h54
